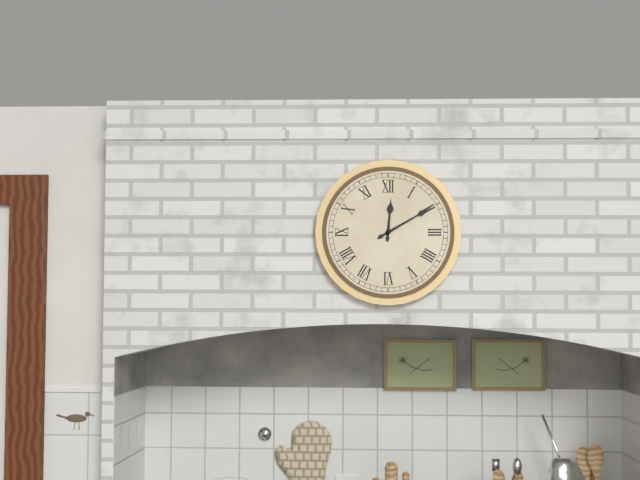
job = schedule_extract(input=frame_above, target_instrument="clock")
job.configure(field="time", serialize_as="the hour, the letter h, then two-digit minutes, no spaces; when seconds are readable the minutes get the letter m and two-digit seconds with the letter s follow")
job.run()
12h10
